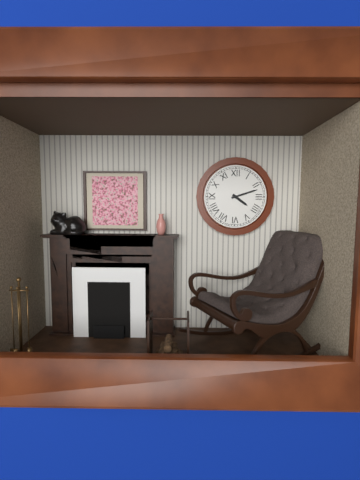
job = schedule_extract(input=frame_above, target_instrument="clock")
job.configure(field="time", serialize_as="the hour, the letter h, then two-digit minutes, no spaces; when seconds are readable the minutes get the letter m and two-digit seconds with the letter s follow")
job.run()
4h12
